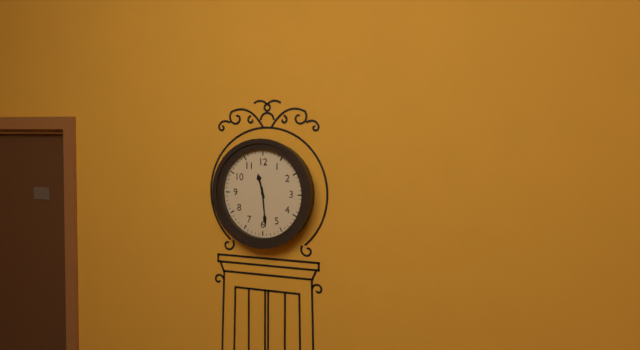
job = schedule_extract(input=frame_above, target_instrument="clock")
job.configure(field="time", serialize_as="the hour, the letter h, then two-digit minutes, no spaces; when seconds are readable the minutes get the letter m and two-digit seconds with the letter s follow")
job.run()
11h29
